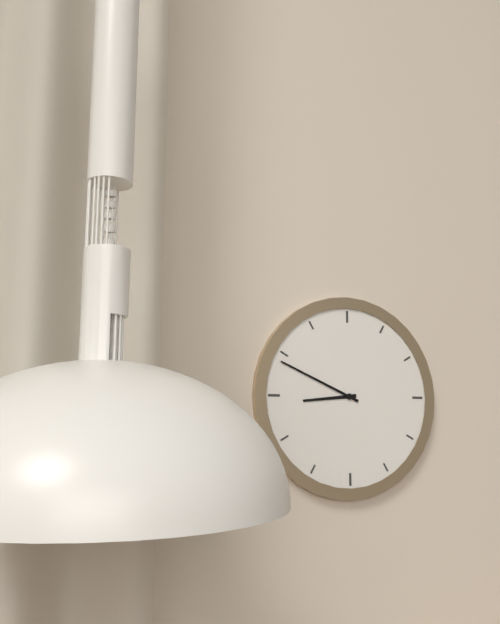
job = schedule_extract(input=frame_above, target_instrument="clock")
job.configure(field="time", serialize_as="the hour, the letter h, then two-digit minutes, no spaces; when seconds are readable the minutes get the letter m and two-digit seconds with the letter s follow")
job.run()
8h49
